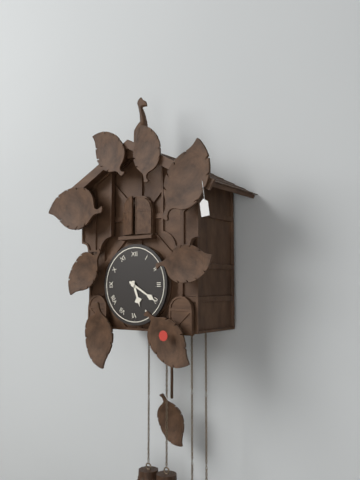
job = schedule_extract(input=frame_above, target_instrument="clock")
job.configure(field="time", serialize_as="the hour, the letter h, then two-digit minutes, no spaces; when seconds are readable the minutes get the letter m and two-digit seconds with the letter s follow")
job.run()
5h20
